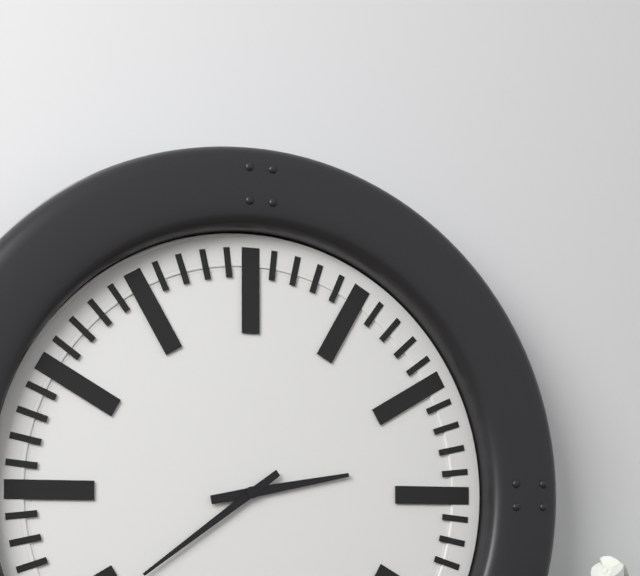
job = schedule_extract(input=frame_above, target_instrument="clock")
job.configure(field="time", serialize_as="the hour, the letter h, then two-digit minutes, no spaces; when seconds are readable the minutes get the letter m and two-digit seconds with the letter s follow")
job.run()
2h39
